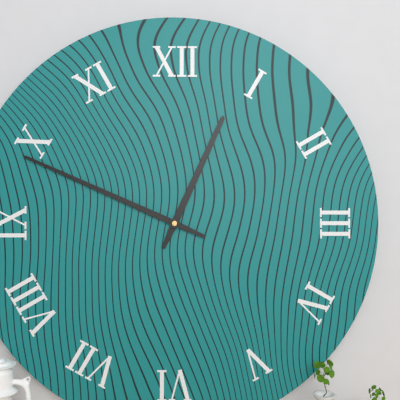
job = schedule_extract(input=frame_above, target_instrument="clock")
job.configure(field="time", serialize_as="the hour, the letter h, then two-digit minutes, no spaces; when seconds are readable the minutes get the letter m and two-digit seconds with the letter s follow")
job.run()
12h49
